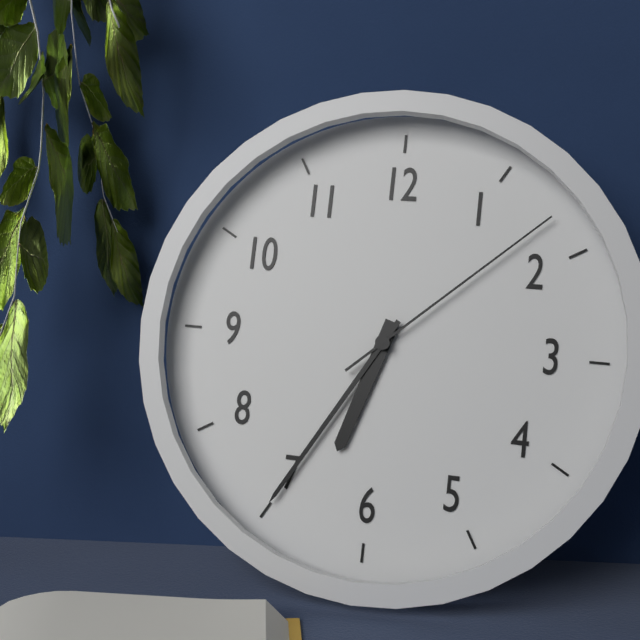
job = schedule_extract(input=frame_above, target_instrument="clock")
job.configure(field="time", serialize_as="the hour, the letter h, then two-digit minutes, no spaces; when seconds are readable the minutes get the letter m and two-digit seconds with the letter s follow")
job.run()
6h35m08s
